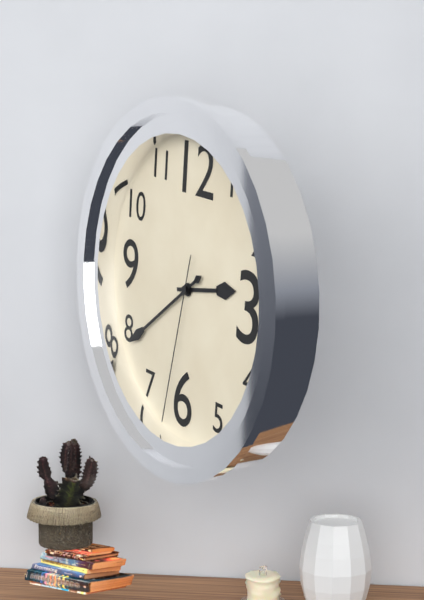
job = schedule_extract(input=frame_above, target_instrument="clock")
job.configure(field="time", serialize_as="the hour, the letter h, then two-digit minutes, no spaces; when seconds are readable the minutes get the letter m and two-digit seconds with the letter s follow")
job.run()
2h39m32s
